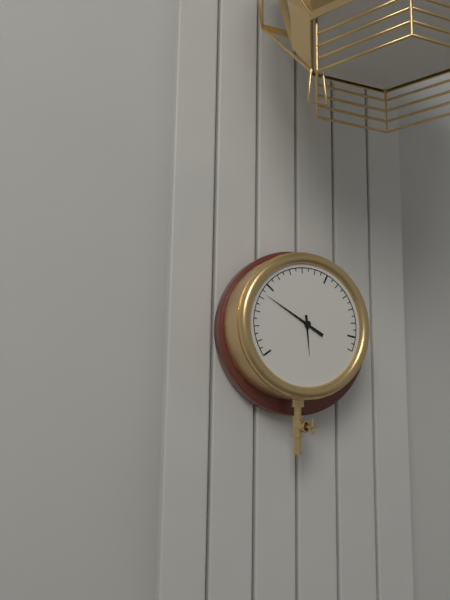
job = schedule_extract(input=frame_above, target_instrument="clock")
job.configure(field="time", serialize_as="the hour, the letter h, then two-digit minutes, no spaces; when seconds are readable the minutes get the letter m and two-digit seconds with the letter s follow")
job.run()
5h50
